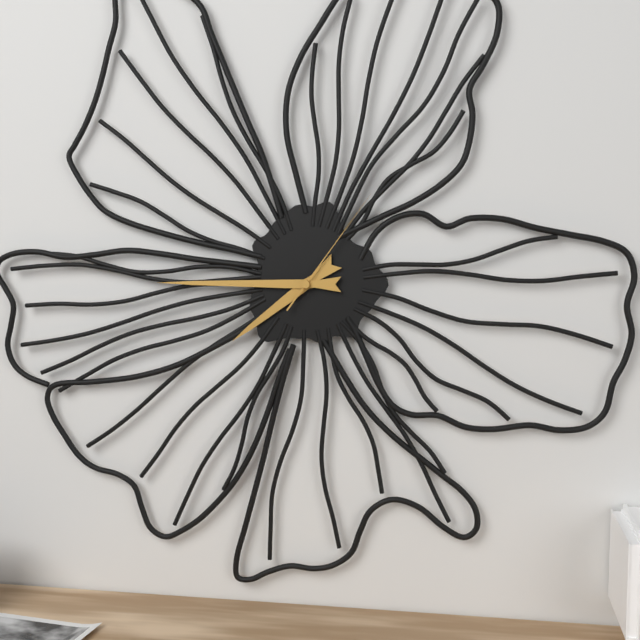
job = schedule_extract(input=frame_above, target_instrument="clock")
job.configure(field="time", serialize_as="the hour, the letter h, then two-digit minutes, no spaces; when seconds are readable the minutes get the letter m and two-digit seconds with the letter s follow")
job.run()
7h45m06s
